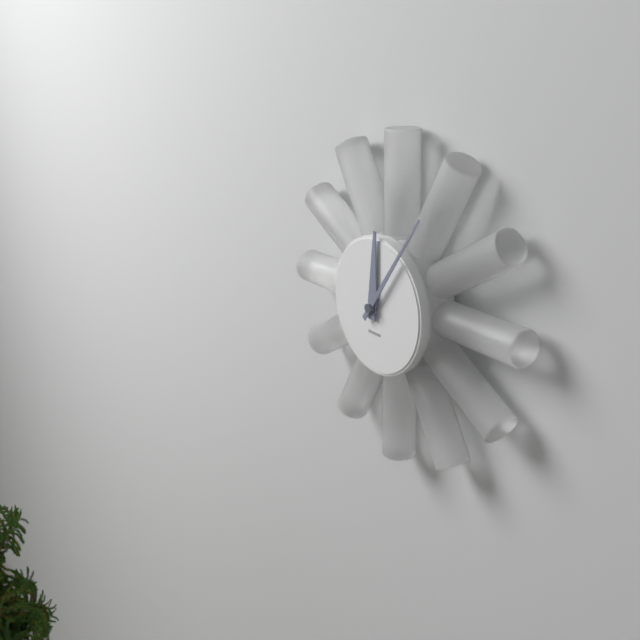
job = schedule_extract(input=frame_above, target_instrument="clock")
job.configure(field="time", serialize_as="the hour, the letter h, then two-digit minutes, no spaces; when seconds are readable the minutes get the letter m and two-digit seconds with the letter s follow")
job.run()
12h06
